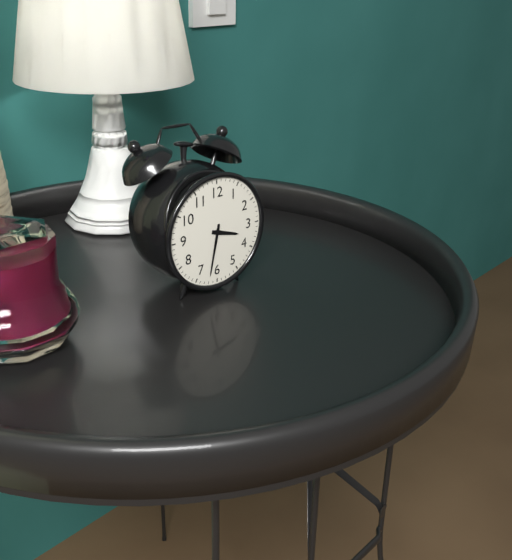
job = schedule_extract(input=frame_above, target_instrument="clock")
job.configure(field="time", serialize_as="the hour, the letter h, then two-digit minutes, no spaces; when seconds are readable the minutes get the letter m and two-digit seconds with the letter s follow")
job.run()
3h32
